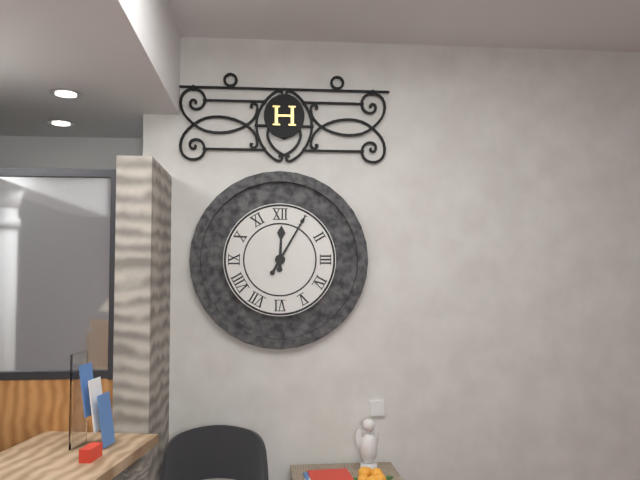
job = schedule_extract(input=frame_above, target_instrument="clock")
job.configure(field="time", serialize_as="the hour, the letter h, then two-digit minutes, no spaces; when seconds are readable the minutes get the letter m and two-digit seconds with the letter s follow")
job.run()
12h05
